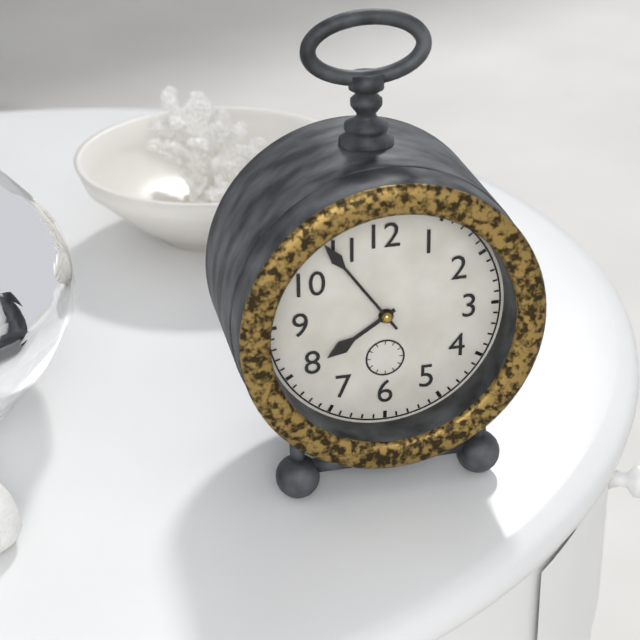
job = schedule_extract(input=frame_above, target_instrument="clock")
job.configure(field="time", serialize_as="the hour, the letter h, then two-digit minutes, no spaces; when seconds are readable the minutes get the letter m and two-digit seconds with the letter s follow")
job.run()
7h54
